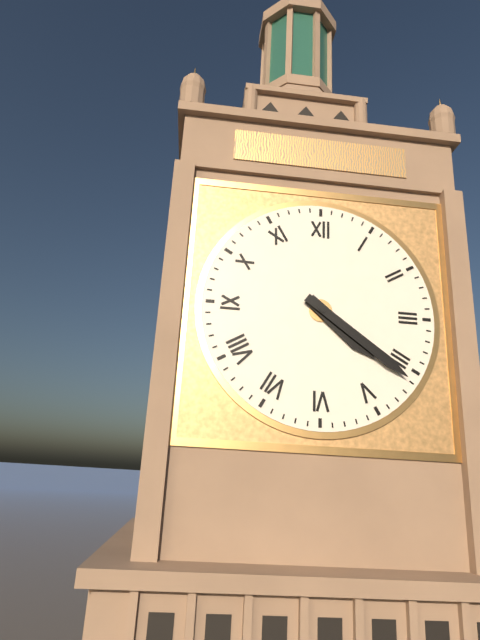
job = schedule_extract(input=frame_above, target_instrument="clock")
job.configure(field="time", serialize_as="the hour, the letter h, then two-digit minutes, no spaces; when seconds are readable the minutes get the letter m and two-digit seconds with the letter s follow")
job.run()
4h21
